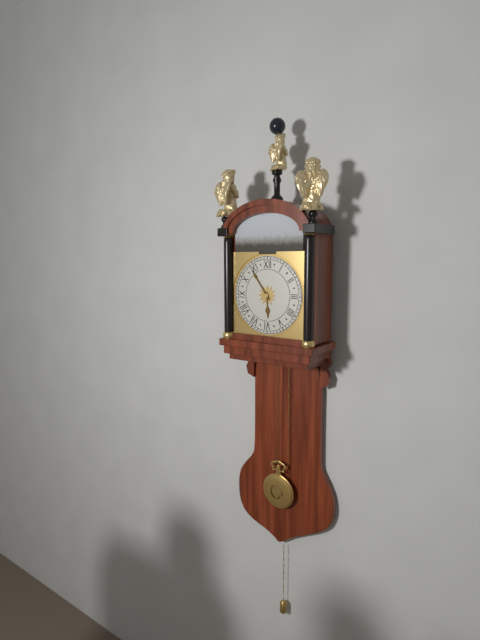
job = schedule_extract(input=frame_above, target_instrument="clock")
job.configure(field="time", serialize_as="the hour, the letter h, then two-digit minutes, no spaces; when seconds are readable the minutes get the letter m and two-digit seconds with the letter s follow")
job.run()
5h54
